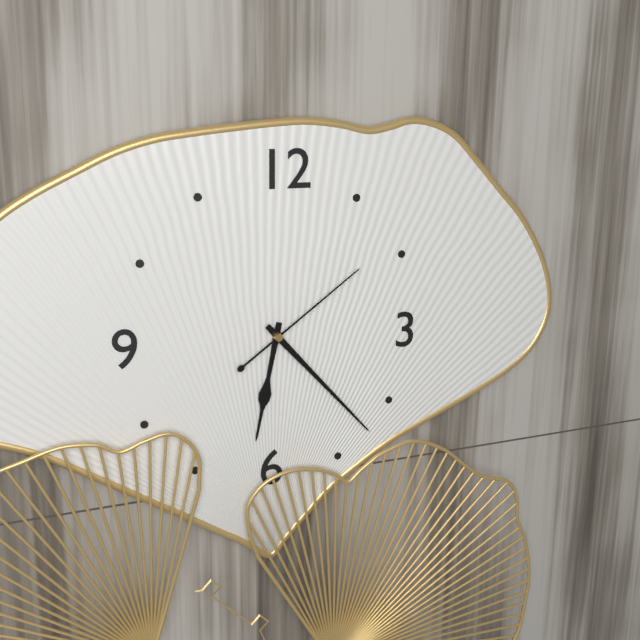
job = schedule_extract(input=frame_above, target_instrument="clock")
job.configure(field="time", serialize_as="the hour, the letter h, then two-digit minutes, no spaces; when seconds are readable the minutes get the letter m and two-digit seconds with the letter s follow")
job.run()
6h23m09s
